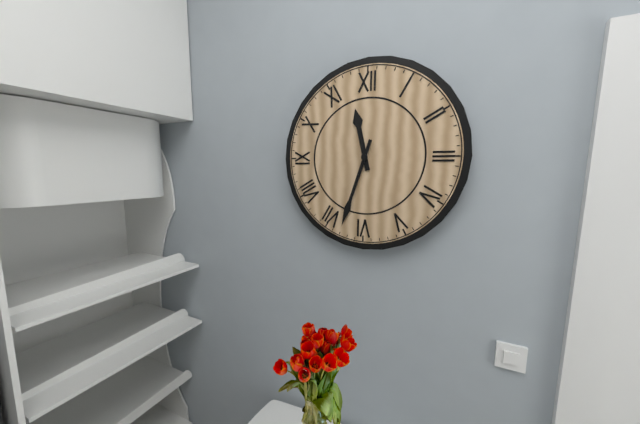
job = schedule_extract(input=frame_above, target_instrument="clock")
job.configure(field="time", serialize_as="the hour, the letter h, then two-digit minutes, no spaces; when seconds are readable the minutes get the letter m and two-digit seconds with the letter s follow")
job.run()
11h33
